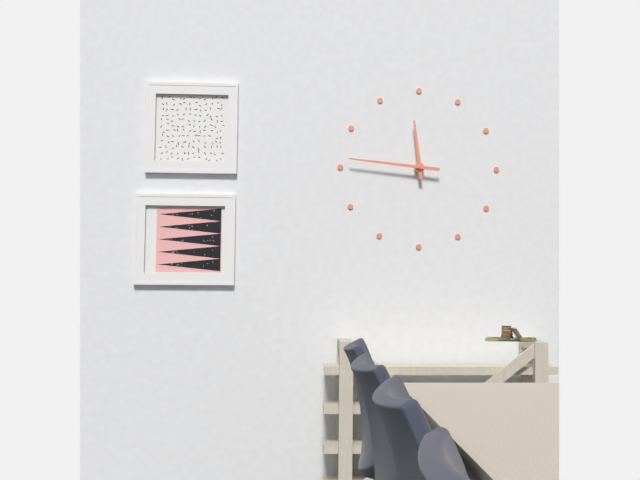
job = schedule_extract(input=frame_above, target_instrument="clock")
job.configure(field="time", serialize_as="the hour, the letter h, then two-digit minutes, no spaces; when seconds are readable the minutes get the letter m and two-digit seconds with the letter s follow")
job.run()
11h46
